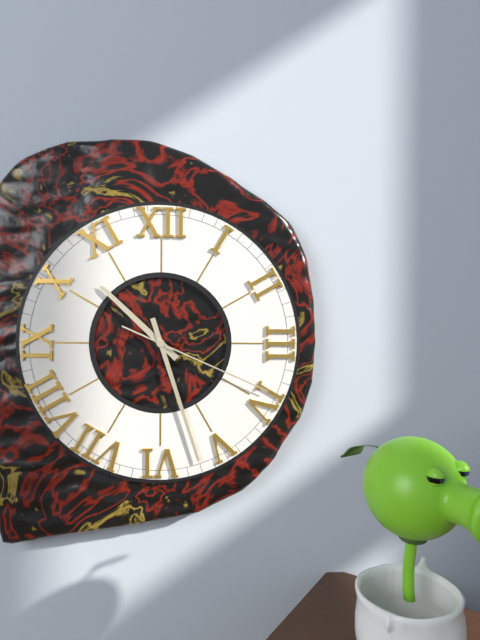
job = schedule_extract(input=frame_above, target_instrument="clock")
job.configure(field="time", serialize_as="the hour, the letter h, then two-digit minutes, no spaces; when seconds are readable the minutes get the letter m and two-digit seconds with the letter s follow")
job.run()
10h27m19s
